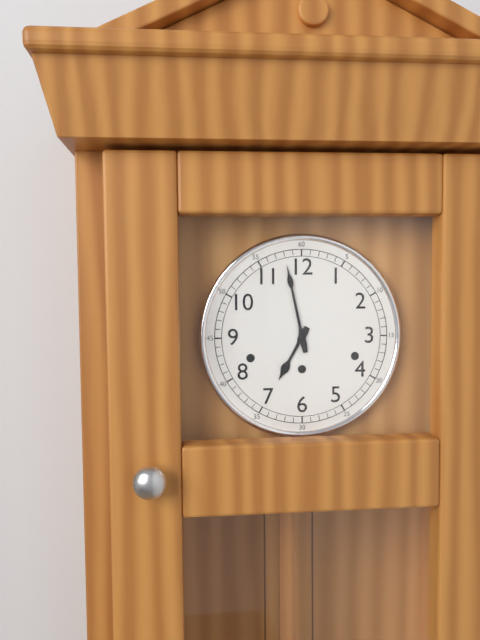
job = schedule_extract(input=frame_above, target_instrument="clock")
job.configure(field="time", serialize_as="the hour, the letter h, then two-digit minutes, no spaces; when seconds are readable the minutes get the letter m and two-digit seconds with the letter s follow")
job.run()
6h58
